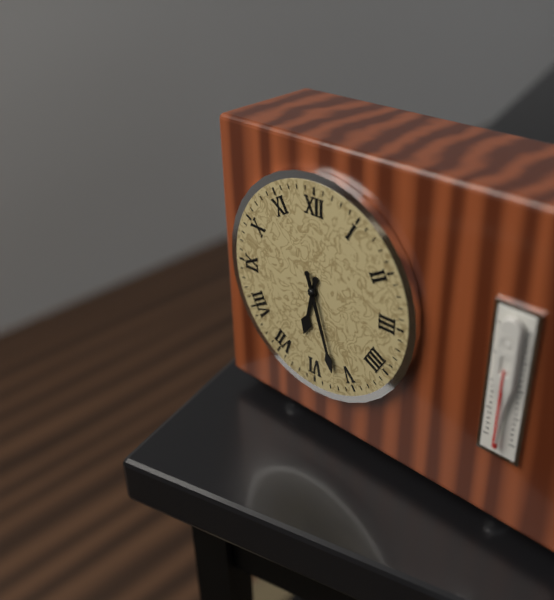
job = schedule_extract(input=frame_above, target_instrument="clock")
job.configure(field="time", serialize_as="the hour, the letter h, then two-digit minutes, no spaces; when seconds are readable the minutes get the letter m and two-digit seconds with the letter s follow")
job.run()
6h27
